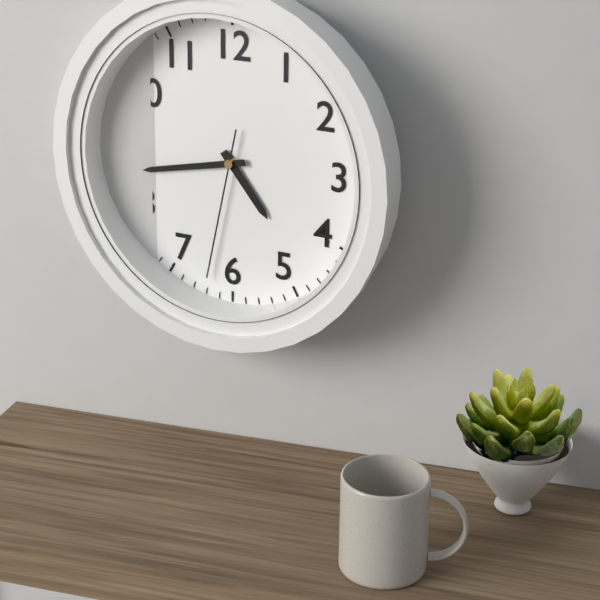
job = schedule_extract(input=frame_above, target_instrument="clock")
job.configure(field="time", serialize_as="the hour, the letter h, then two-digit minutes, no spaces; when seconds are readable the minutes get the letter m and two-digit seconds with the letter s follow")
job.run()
4h43m32s
